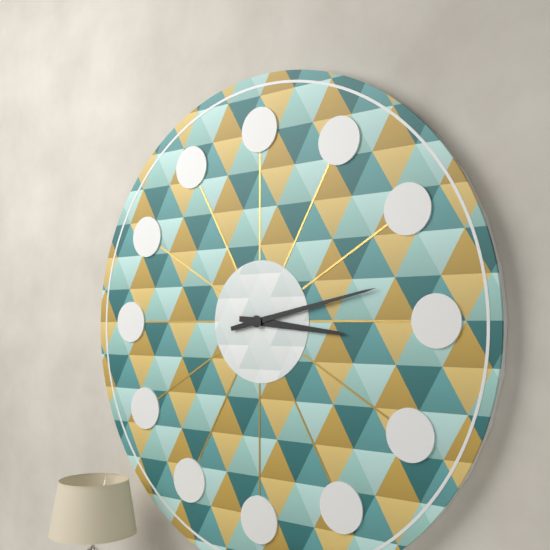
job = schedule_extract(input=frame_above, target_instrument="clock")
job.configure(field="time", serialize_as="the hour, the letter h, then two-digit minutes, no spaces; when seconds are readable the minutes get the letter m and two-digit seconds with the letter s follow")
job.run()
3h13
